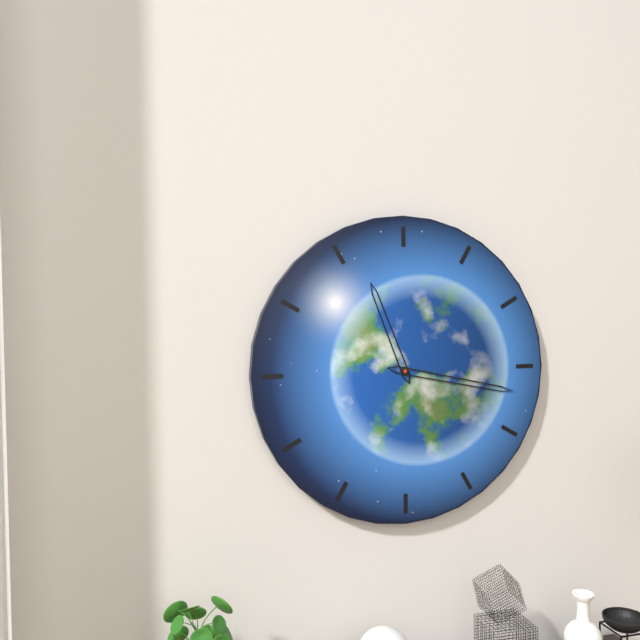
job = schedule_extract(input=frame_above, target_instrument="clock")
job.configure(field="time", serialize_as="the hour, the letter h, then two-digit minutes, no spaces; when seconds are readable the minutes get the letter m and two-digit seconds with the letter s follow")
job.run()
11h17
